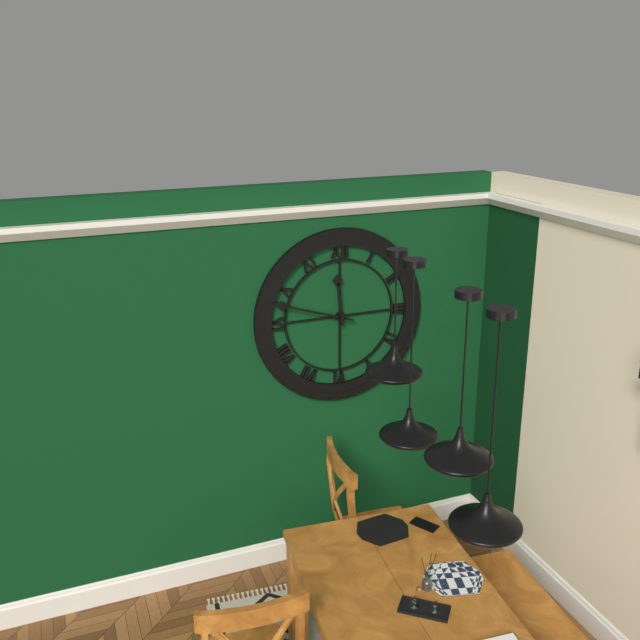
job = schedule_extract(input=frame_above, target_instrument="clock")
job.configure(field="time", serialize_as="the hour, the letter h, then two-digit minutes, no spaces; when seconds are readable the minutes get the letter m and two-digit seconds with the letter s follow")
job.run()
11h48
